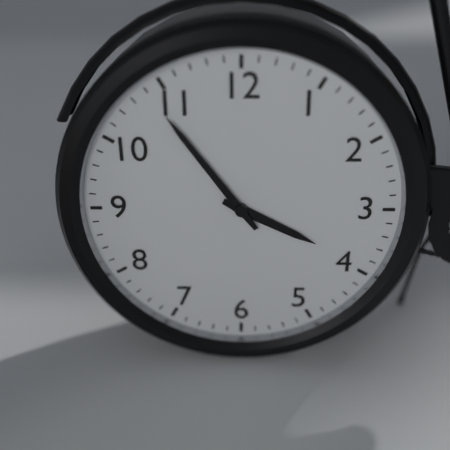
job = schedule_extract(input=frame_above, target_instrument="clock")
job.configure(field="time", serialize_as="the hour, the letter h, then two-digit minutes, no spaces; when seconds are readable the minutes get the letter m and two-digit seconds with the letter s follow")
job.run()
3h54
